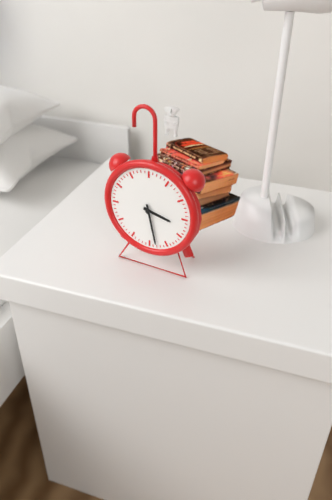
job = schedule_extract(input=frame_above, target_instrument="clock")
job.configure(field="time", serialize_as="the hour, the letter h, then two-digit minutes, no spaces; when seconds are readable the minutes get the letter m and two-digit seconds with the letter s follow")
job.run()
3h28
